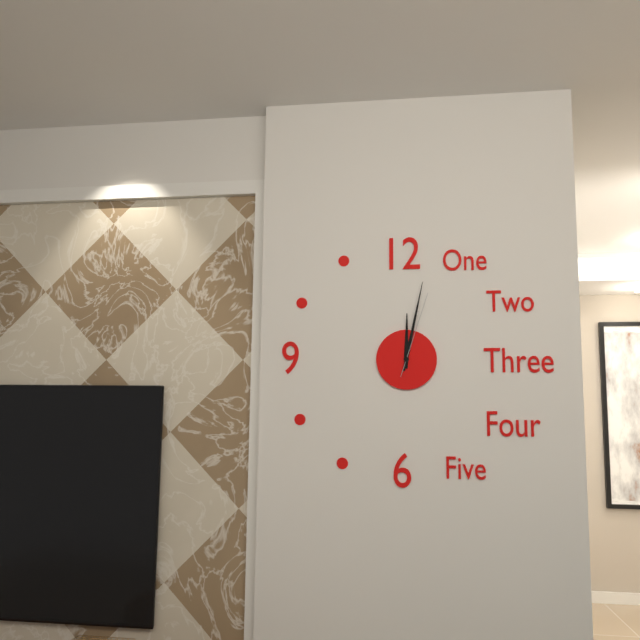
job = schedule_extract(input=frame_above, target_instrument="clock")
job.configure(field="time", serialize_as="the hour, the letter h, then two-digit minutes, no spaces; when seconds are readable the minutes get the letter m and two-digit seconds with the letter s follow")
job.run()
12h02m03s
